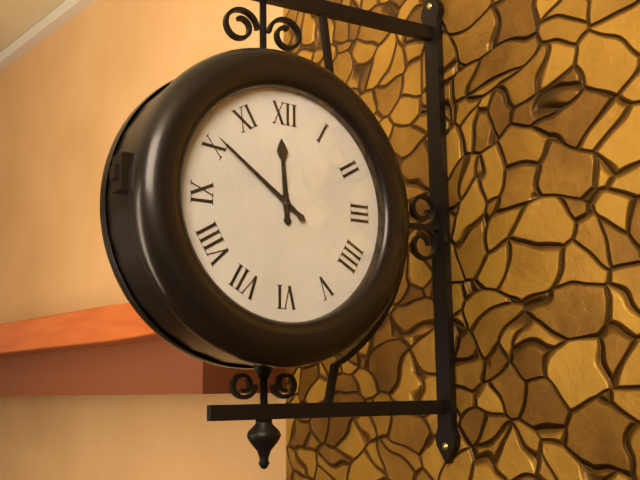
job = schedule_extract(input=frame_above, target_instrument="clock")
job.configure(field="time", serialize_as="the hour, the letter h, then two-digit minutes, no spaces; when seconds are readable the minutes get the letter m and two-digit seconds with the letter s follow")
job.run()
11h51
